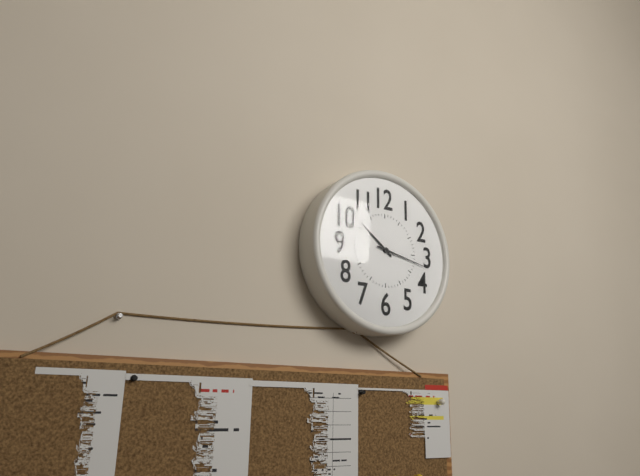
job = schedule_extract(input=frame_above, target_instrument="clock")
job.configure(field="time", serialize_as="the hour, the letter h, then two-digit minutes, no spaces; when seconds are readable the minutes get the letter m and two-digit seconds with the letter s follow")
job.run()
10h17
